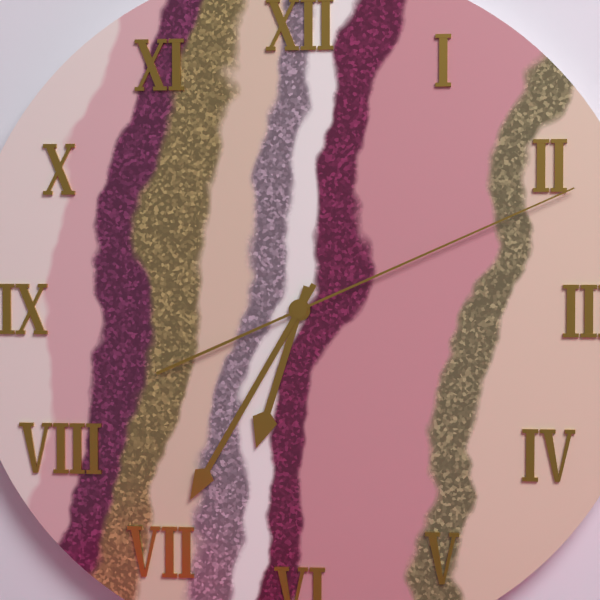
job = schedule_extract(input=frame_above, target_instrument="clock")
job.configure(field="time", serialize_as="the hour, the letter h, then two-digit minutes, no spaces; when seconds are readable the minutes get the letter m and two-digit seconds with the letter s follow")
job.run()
6h35m11s
